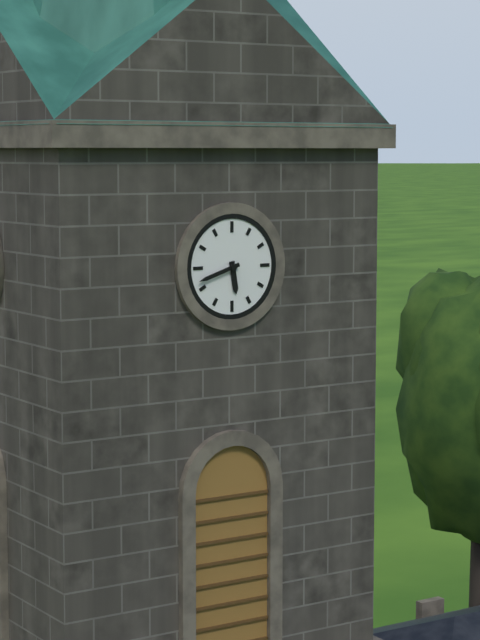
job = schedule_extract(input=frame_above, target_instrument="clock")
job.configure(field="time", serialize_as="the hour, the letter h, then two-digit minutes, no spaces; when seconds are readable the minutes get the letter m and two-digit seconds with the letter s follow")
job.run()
5h42
